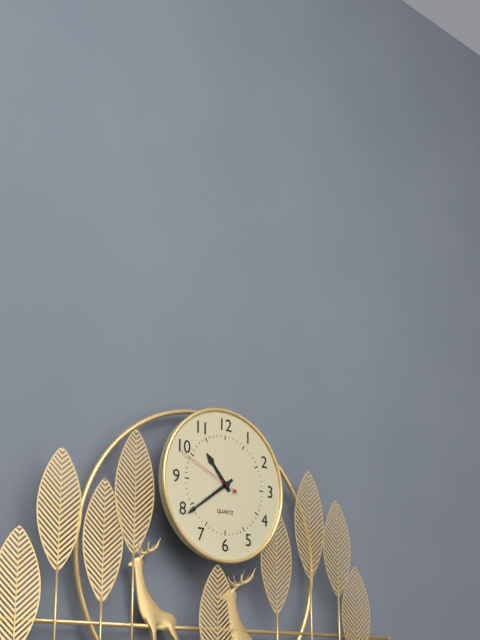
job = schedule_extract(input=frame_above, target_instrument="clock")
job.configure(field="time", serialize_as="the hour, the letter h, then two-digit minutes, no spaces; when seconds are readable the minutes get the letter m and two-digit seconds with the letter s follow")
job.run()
10h39m49s
